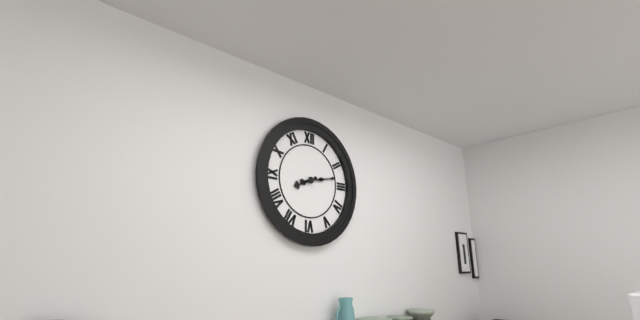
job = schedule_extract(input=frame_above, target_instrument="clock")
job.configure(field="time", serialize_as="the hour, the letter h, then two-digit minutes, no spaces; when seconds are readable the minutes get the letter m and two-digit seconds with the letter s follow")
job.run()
8h13
